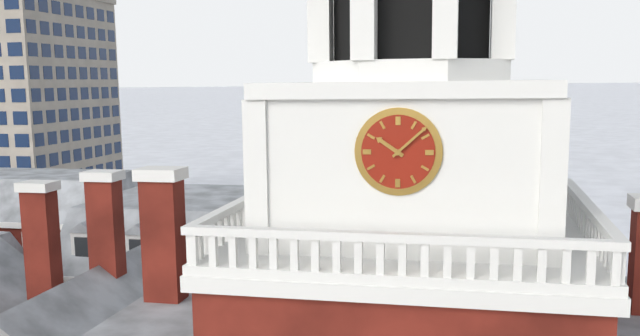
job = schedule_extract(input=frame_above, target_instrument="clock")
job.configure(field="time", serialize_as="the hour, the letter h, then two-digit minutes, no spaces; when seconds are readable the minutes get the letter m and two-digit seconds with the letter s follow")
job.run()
10h08
